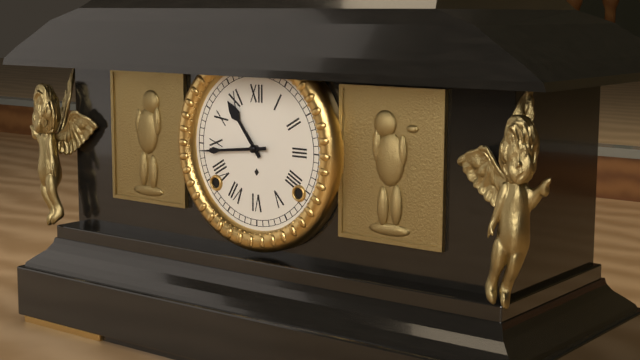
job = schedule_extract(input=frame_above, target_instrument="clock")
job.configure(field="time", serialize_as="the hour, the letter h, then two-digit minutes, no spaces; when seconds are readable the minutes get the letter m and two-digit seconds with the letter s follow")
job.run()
10h44
